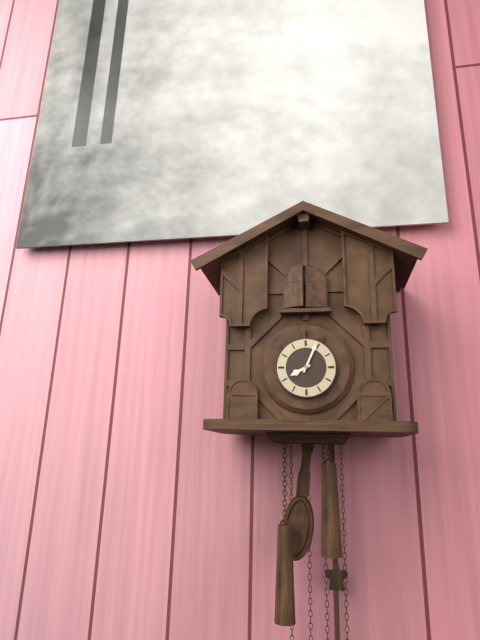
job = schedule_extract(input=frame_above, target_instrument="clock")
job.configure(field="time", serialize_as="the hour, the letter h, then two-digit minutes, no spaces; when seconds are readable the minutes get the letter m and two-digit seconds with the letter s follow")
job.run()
8h04
